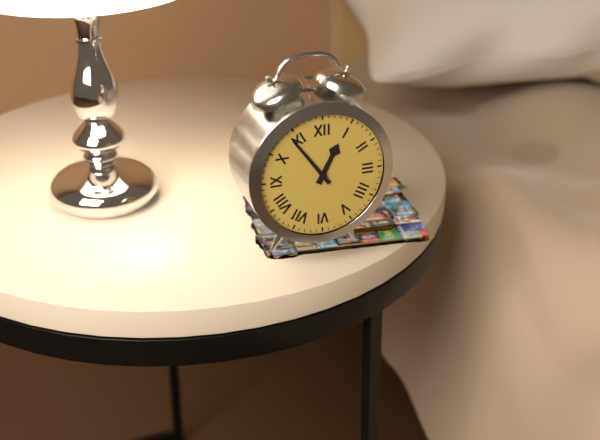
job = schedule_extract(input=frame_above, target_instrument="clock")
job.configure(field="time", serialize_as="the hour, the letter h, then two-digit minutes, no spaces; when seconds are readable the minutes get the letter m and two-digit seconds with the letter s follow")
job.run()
12h54
